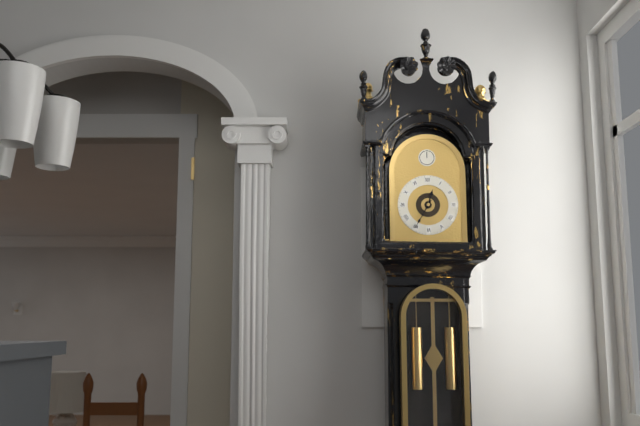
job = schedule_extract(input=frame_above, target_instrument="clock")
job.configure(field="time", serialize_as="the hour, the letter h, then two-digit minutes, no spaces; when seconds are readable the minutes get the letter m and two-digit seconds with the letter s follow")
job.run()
12h35
